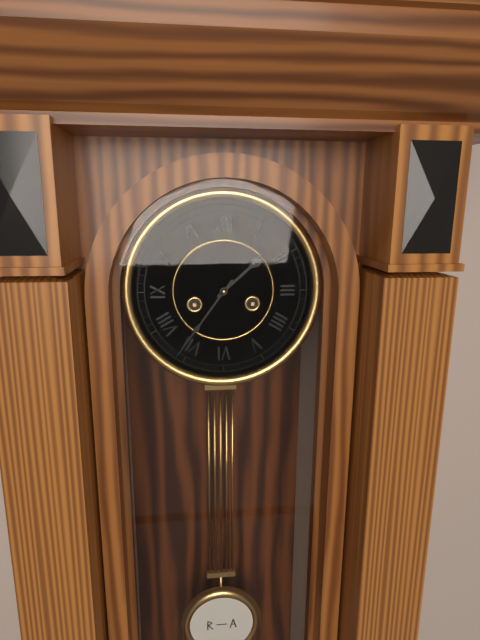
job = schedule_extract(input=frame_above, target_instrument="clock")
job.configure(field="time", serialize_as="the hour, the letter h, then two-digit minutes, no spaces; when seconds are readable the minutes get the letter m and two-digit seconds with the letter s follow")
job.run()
1h36
